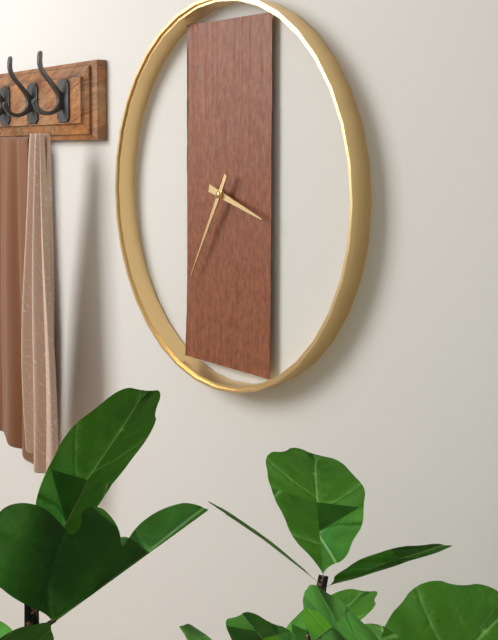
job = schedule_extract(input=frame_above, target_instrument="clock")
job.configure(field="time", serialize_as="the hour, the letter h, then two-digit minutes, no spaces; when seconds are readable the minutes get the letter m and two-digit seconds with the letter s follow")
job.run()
3h35
